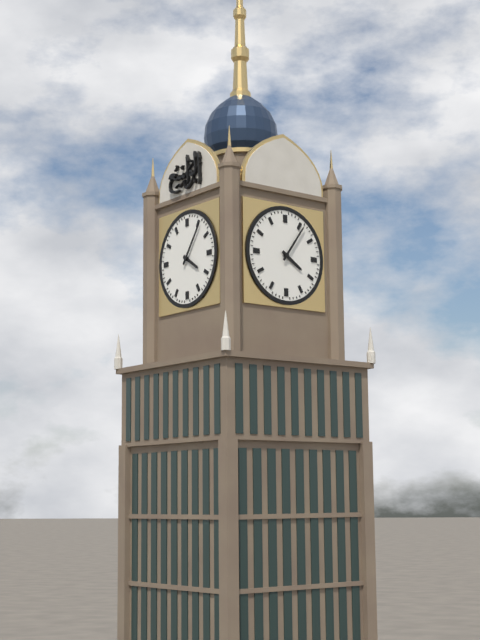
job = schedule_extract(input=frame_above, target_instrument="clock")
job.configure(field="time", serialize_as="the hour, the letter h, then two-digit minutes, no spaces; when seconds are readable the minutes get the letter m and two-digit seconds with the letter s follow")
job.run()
4h06
